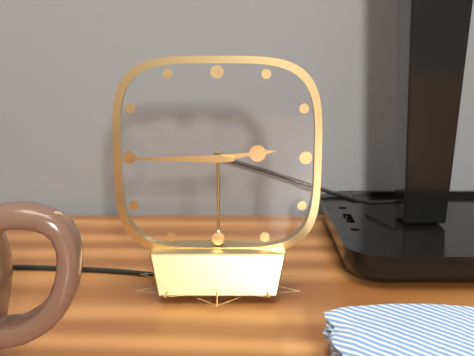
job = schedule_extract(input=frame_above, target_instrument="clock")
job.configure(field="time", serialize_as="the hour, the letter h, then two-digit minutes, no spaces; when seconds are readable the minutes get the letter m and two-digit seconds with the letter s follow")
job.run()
2h45
